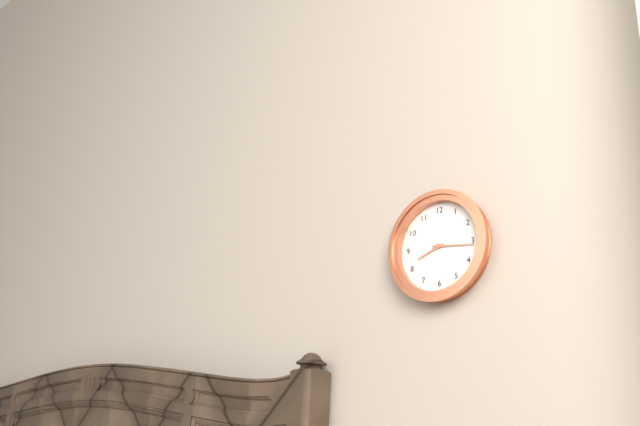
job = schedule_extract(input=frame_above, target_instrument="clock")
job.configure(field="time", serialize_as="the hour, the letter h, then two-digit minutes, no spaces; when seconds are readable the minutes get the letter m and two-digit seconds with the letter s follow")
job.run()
8h16
